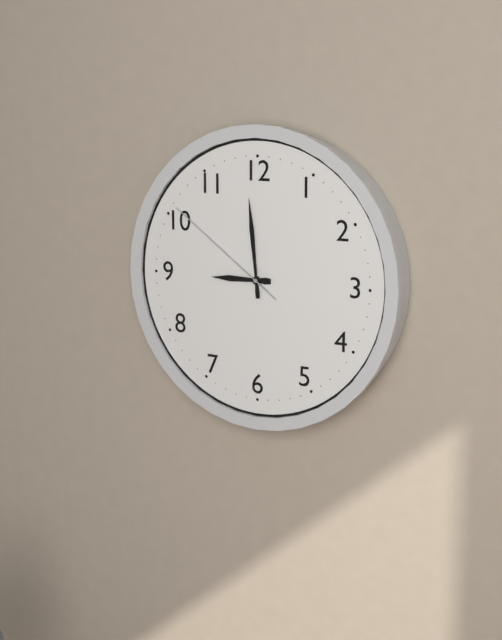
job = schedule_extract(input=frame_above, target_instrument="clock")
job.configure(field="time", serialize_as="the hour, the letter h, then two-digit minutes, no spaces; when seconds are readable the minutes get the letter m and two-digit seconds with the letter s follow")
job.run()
8h59m51s
